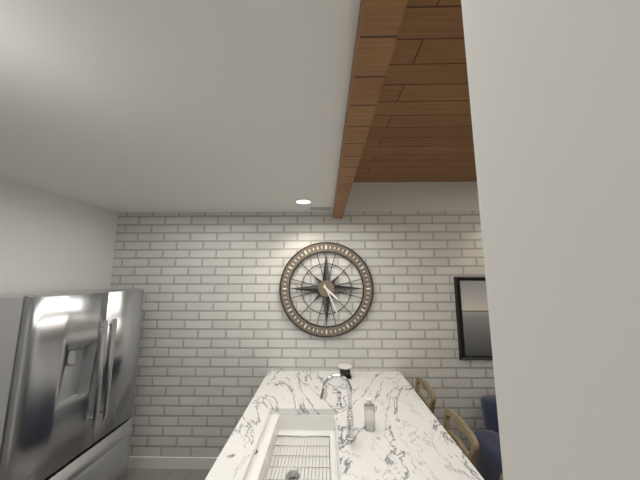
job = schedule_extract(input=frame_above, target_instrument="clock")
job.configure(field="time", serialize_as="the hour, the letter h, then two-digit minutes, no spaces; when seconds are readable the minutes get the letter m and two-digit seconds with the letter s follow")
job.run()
4h26
